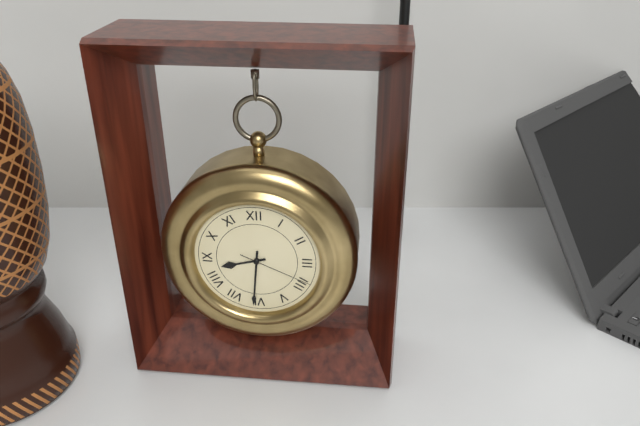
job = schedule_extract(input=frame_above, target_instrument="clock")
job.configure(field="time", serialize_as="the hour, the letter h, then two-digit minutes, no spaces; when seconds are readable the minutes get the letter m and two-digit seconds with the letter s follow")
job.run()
8h31m19s
